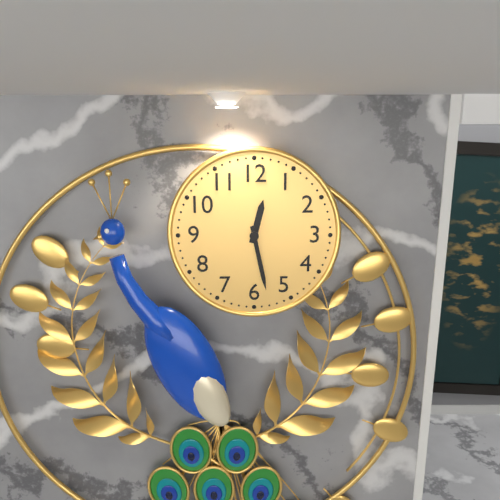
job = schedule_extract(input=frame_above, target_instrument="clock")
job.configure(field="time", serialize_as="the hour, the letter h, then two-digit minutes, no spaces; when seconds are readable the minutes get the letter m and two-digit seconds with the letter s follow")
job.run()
12h28
